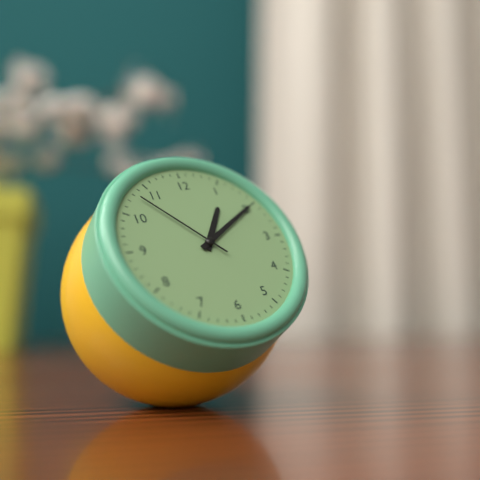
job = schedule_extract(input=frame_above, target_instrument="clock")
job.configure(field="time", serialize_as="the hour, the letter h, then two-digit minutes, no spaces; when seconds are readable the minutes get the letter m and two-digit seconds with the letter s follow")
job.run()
1h10m53s
